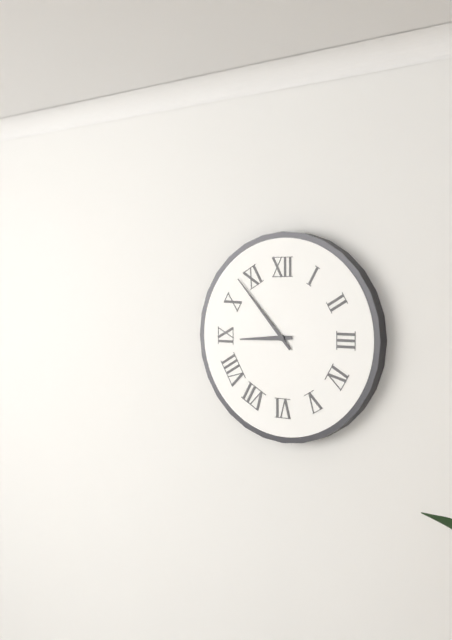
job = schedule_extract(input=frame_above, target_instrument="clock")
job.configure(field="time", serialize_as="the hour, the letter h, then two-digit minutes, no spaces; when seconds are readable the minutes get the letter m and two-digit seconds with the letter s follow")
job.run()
8h53
